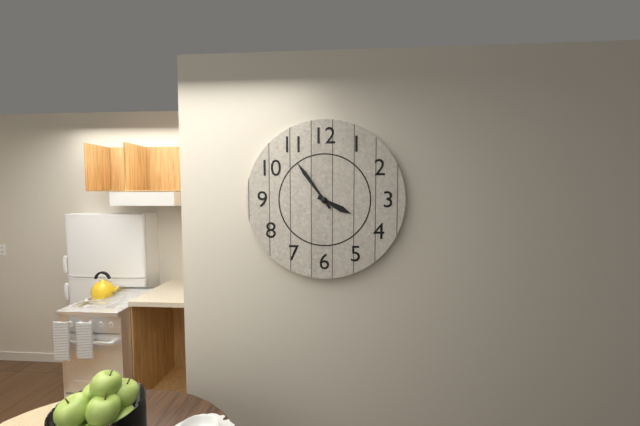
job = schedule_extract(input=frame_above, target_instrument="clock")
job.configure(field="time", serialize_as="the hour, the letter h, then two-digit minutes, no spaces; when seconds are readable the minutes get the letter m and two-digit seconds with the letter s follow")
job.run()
3h54
